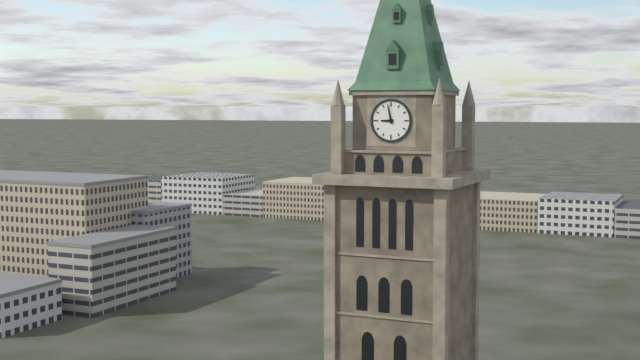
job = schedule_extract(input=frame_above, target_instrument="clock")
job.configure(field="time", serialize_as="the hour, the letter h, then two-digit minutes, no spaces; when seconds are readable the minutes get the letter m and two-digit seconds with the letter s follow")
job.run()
8h58
